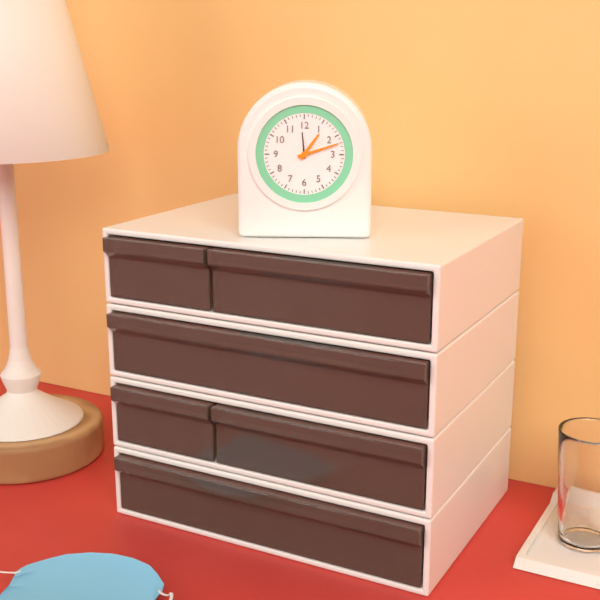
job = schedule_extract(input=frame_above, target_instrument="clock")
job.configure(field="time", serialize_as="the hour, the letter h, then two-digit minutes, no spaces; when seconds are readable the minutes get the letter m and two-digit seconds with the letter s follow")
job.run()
1h12
